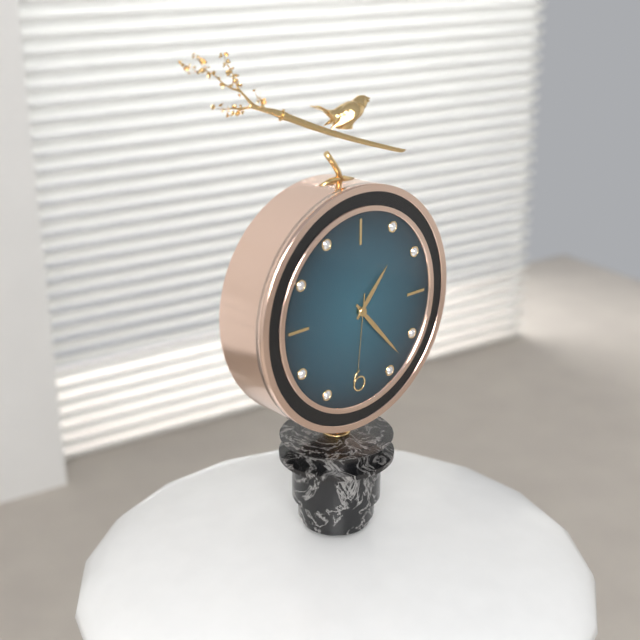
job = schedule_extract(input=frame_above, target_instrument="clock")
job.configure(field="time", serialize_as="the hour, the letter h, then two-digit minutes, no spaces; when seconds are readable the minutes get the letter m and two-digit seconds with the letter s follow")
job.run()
1h23m31s
